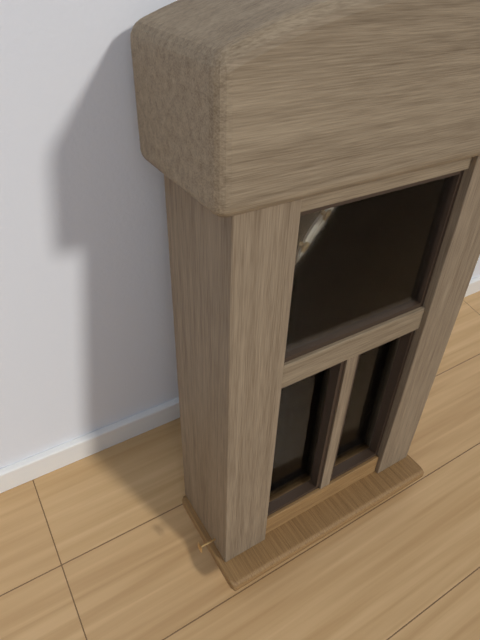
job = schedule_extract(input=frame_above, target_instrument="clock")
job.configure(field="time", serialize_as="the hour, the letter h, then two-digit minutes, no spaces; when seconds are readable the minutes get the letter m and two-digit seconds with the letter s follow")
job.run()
8h54
